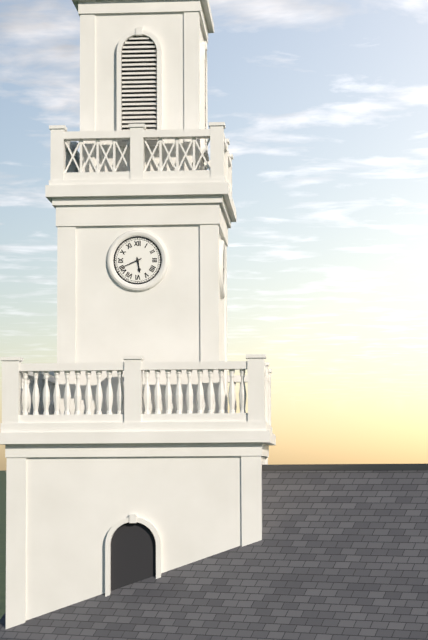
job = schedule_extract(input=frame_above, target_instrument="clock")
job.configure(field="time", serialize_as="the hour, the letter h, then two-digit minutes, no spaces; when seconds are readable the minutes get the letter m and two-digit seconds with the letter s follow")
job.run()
5h41
